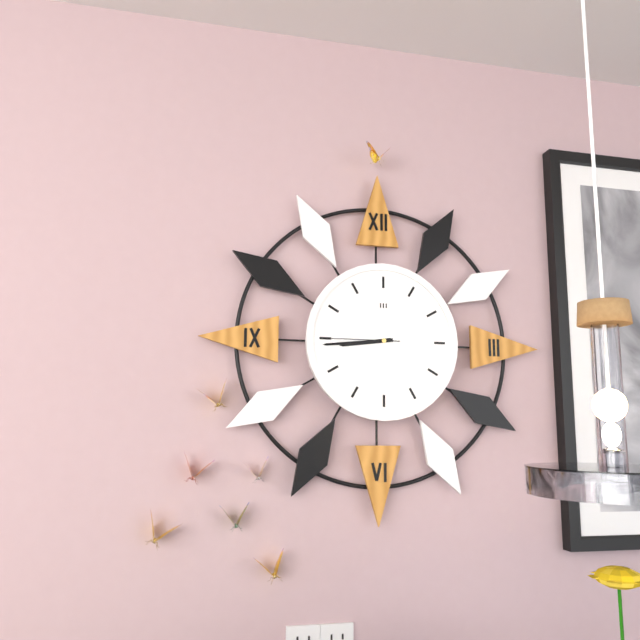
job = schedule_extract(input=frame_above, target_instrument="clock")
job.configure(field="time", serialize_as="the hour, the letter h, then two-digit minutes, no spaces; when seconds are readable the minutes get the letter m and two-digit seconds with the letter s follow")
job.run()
8h44m45s
